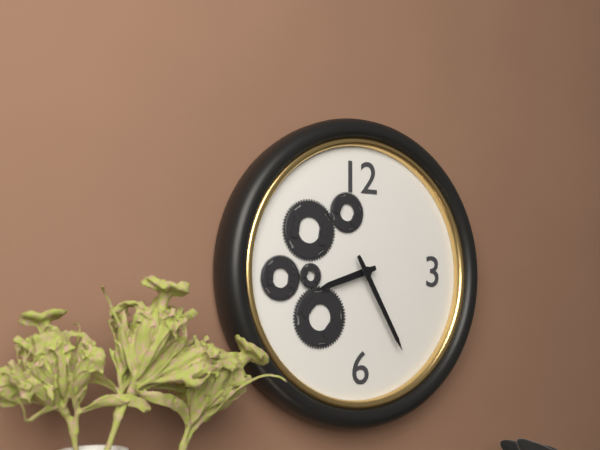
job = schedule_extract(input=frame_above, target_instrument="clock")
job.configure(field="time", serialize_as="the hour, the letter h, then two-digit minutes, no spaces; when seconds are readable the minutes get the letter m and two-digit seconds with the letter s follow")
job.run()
8h25
